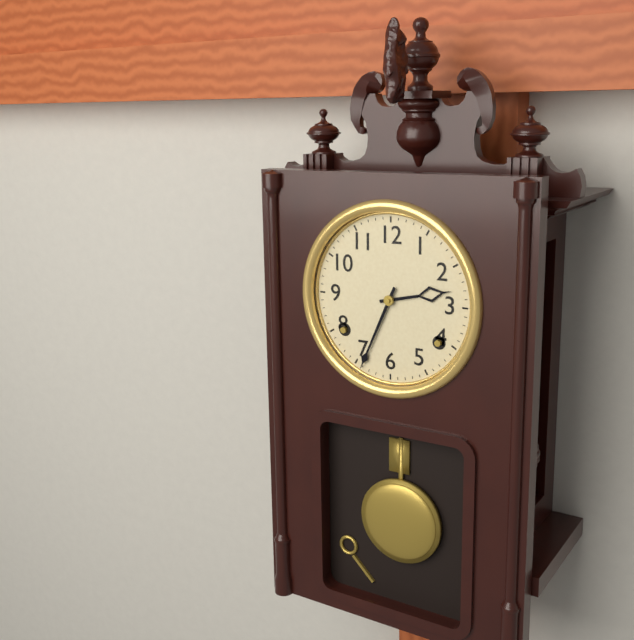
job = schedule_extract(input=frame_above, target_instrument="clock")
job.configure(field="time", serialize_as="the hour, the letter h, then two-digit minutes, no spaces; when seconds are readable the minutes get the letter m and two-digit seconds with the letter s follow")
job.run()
2h34
